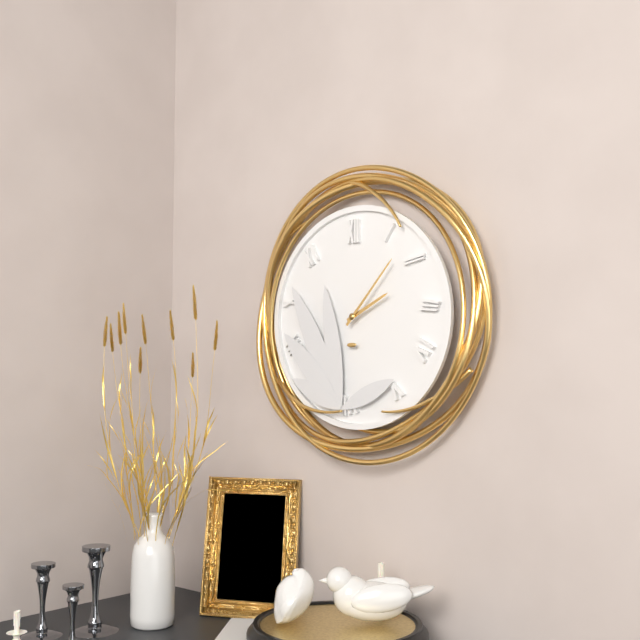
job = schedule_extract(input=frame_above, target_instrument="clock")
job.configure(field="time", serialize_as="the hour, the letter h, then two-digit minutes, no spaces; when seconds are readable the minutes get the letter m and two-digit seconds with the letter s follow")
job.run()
2h07
